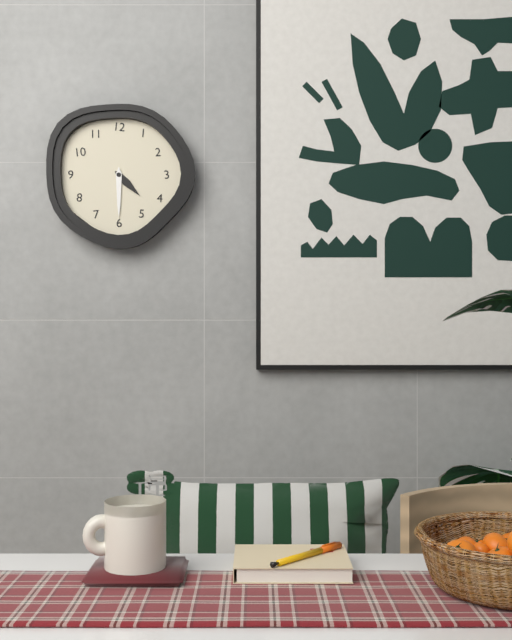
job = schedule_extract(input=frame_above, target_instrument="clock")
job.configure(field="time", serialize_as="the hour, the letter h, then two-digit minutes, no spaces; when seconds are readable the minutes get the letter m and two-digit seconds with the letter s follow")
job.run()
4h30
